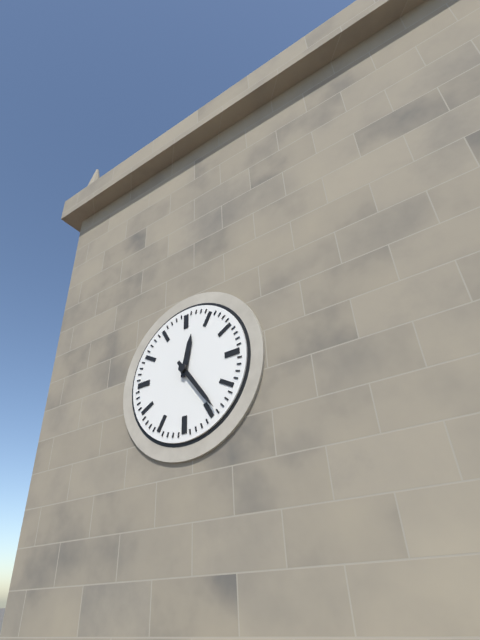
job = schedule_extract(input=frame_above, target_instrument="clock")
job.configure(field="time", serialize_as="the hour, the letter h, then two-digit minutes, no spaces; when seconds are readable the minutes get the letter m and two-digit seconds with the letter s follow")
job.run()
12h24
